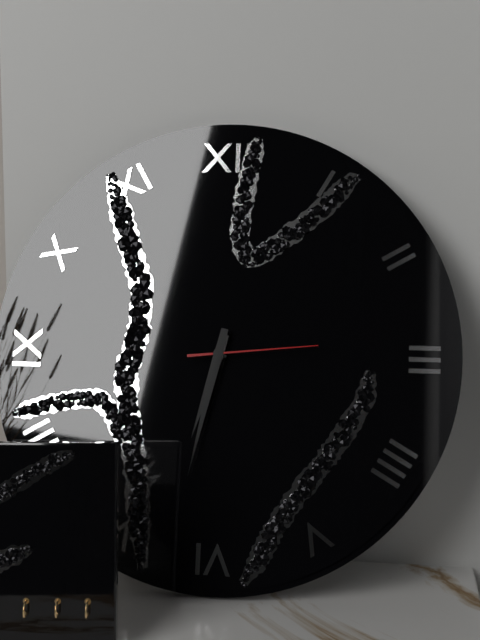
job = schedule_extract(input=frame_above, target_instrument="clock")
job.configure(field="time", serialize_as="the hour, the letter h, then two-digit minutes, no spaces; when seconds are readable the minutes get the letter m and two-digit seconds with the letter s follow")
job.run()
6h32m14s
